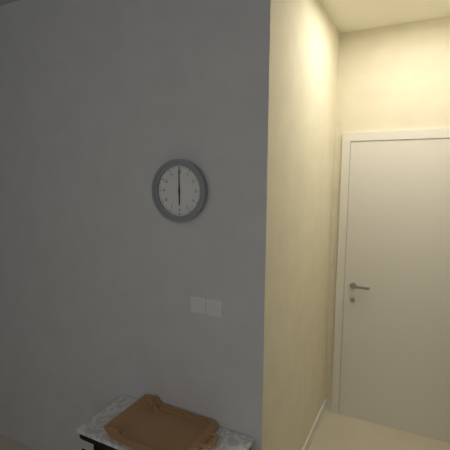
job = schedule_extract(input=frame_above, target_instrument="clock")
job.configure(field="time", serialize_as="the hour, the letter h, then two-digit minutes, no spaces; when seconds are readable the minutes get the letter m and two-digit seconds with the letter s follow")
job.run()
6h00
